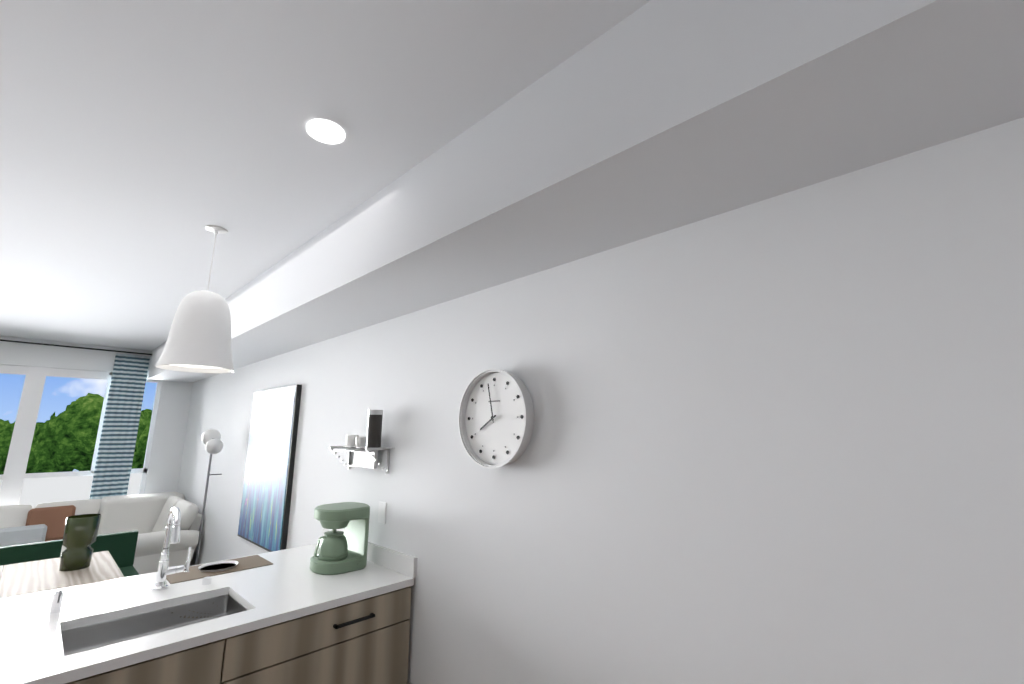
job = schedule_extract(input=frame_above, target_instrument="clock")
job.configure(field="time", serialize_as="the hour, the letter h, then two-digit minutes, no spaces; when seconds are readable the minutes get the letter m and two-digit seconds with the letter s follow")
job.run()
7h58
